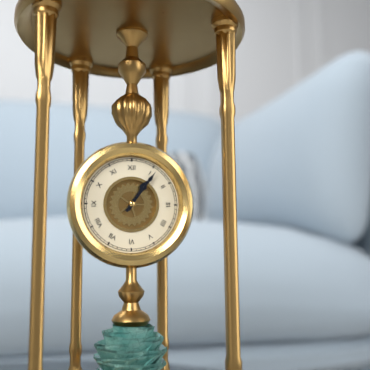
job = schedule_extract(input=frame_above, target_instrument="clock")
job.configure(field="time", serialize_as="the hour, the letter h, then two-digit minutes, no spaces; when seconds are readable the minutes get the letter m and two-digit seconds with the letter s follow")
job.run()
1h06
